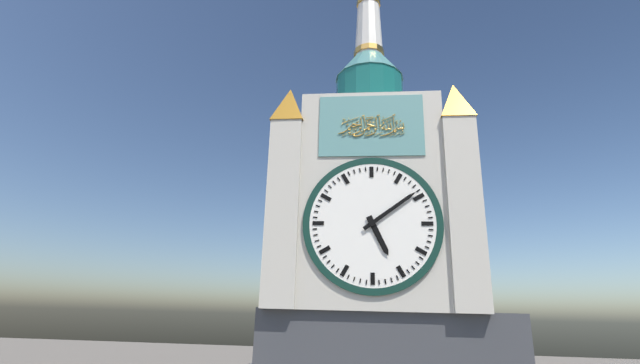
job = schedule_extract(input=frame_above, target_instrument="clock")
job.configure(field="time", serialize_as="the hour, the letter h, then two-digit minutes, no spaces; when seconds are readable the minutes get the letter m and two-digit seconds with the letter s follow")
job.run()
5h09
